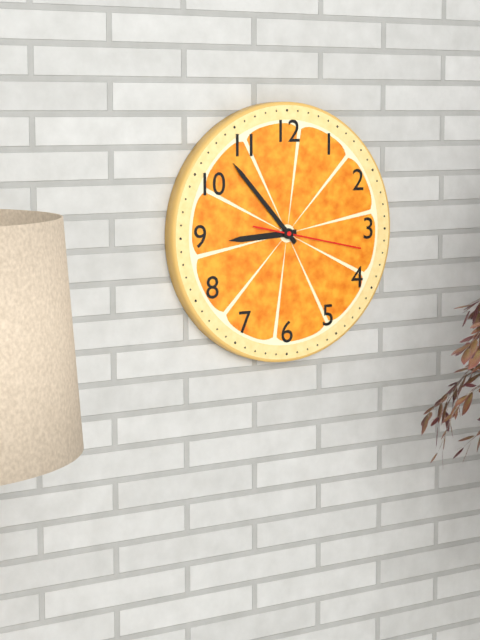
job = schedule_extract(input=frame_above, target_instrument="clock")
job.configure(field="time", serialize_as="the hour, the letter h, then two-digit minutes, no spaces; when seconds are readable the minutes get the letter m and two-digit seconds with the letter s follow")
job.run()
8h53m17s
